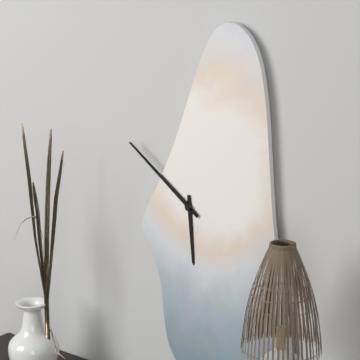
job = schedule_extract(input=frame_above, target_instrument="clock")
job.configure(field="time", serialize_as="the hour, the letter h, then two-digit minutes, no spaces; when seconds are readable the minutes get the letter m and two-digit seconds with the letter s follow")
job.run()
5h51
